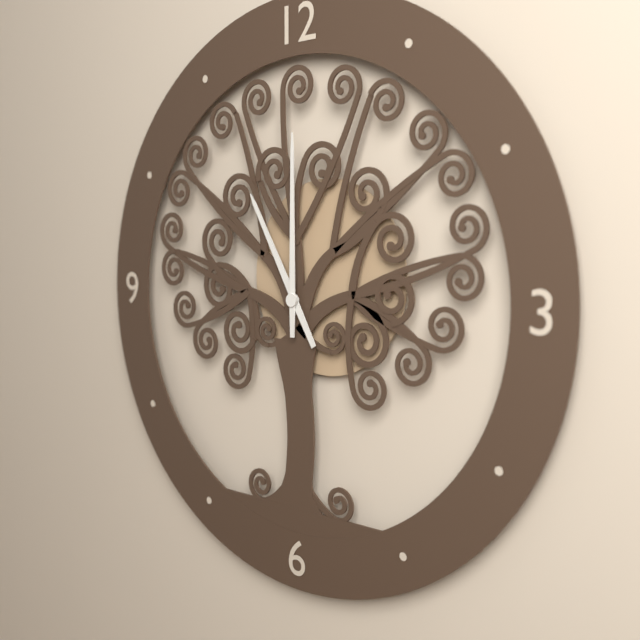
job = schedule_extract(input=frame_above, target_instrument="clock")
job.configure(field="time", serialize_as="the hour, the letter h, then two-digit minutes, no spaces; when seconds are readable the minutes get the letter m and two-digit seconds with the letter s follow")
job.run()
11h00
